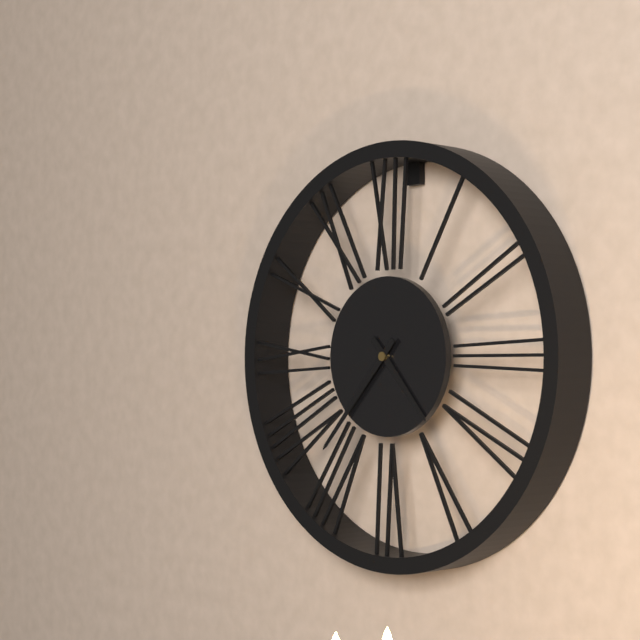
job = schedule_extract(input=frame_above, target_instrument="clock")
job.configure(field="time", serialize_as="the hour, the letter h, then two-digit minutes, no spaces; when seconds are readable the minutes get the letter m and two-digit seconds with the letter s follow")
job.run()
4h37
